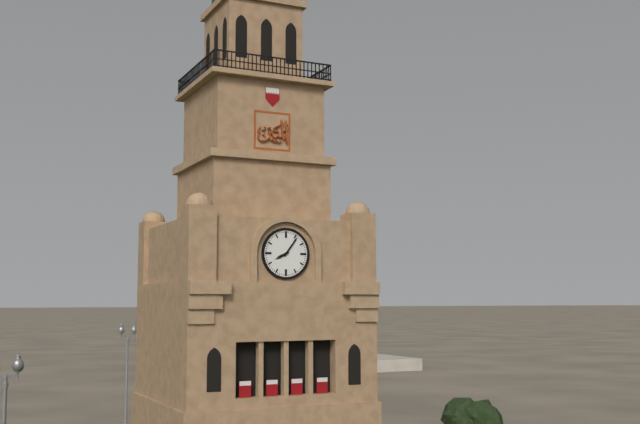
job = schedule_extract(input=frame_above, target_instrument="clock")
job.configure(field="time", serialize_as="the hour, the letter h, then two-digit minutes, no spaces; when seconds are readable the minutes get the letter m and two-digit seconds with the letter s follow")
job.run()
8h06
